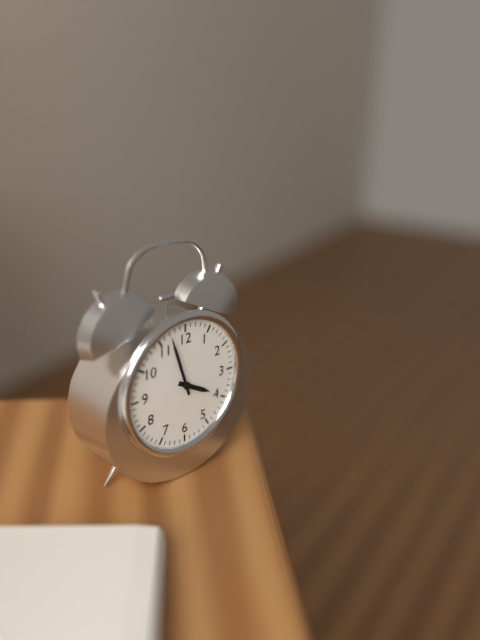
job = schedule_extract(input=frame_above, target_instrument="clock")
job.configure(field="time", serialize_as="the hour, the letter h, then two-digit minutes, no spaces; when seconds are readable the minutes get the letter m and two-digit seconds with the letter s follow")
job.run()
3h57
